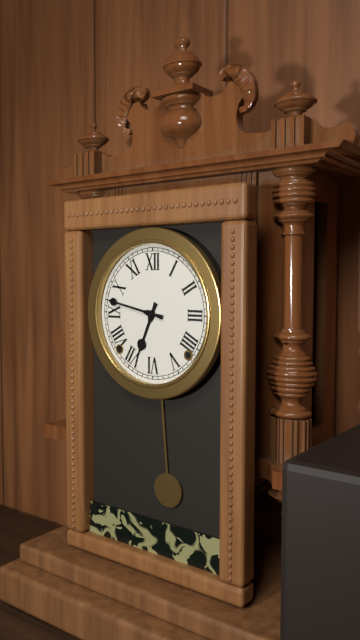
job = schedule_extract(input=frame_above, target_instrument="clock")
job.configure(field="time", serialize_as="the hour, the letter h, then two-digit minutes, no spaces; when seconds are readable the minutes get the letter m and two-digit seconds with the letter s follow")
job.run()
6h47
